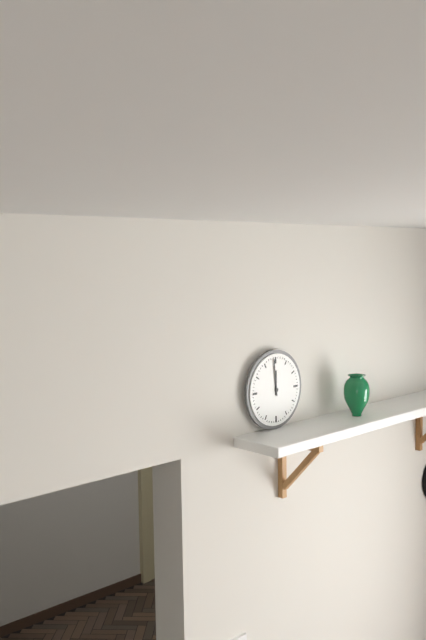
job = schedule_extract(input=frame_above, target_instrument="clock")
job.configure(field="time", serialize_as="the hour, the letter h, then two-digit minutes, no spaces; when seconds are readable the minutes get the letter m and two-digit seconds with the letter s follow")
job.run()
11h59
